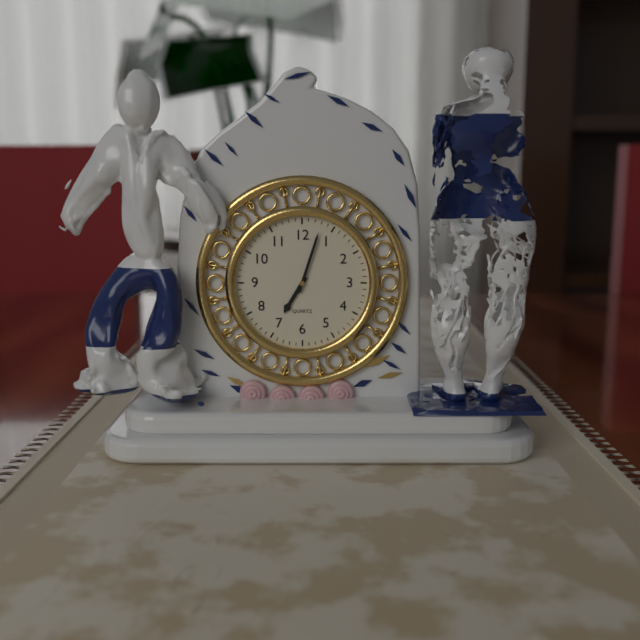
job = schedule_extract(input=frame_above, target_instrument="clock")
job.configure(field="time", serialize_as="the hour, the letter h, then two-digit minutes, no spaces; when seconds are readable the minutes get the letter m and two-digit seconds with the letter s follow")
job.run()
7h03
